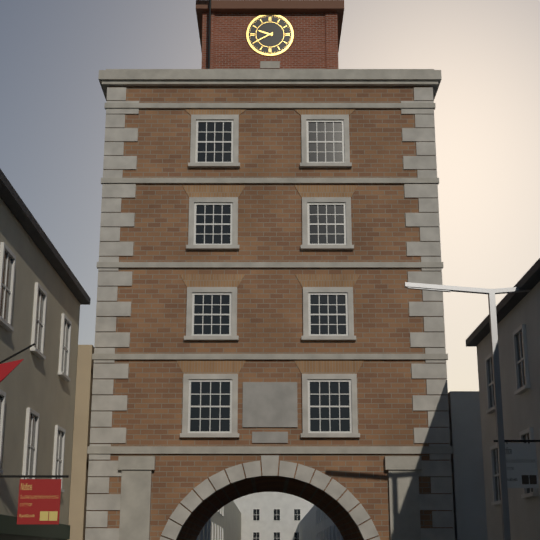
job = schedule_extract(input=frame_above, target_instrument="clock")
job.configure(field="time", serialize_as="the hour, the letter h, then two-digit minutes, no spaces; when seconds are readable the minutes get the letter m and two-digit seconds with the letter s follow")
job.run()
9h40
